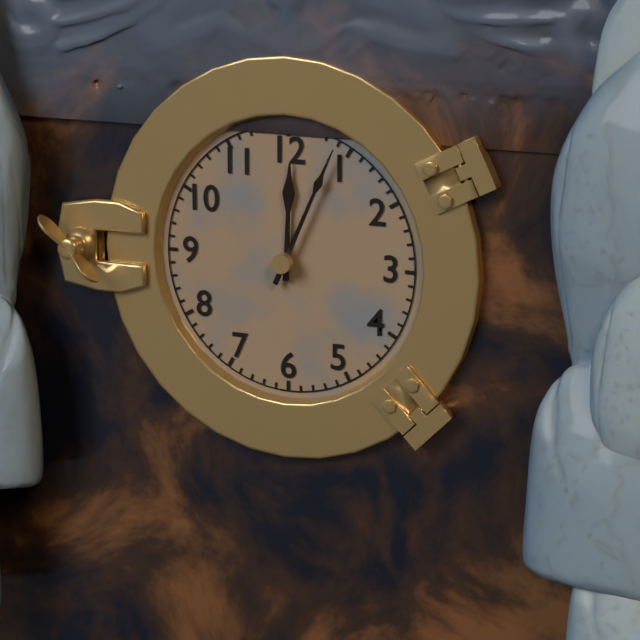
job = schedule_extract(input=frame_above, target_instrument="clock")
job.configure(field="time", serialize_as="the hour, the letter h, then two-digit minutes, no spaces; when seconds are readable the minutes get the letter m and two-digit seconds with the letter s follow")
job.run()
12h04
